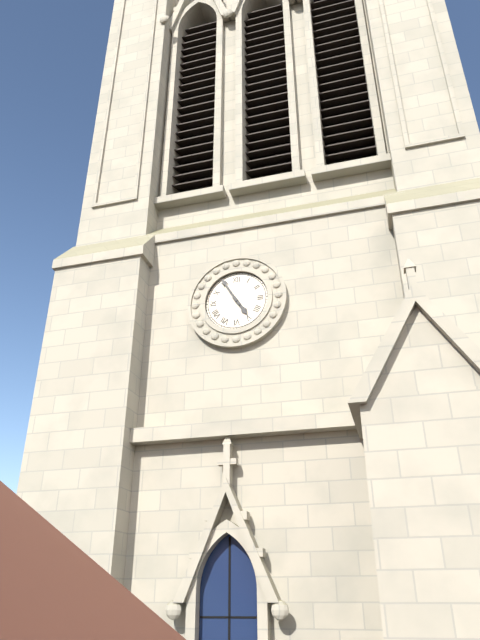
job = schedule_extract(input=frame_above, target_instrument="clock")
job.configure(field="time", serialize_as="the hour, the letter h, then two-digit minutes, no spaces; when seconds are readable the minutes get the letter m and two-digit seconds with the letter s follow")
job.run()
4h55
